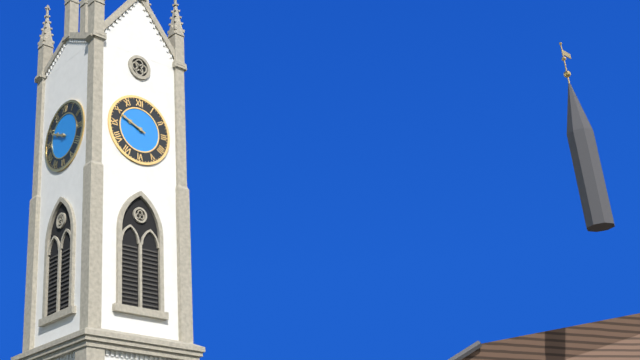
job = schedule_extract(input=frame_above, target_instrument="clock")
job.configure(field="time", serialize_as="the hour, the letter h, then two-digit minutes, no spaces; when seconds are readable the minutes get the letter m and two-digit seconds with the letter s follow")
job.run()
9h49
